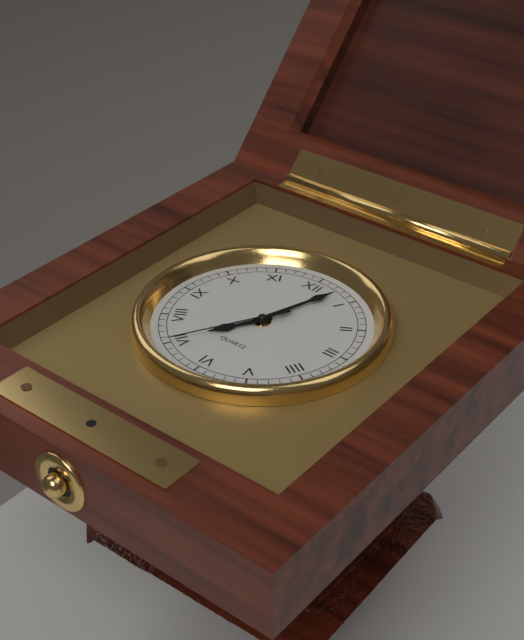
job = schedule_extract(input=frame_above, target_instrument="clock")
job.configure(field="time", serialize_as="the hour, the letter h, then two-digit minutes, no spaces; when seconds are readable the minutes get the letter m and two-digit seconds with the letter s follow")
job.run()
7h03m35s
